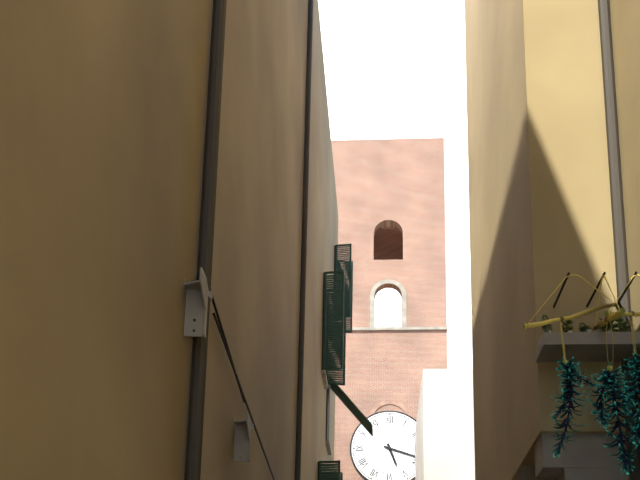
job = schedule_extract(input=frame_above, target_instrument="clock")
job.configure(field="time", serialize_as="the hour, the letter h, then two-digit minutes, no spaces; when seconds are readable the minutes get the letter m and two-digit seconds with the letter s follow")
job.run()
5h18
